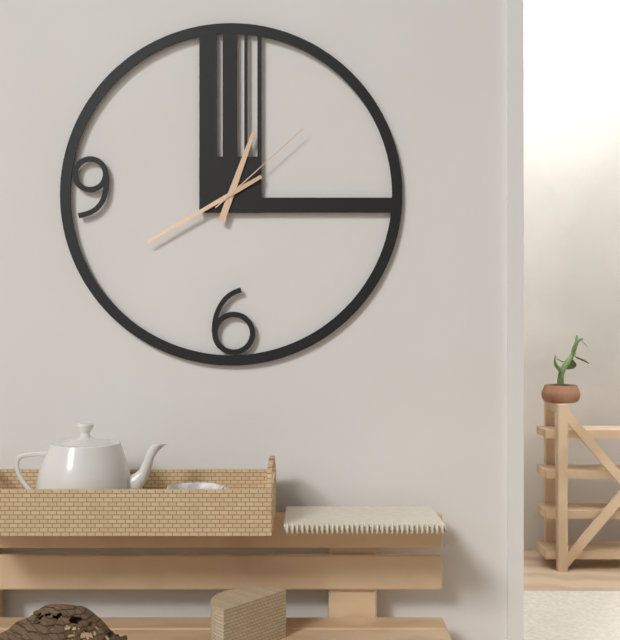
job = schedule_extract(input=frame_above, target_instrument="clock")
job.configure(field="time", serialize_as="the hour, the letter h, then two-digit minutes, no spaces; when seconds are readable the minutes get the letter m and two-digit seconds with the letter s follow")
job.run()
12h40m08s
